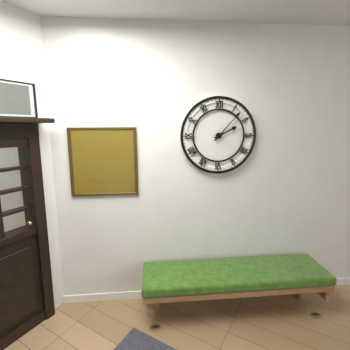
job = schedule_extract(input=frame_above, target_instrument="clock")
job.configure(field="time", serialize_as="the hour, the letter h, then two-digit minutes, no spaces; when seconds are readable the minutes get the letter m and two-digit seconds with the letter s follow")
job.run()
2h07
